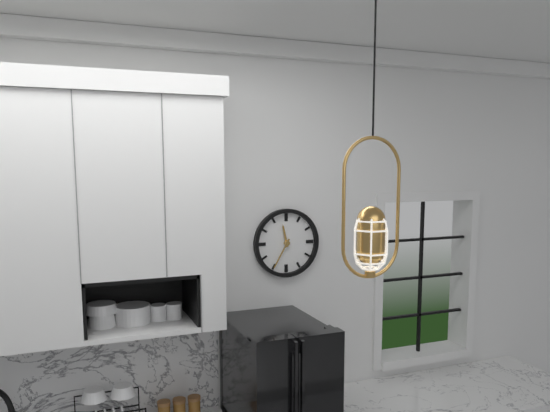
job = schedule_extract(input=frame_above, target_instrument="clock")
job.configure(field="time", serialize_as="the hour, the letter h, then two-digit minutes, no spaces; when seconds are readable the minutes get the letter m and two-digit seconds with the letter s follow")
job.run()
11h35
